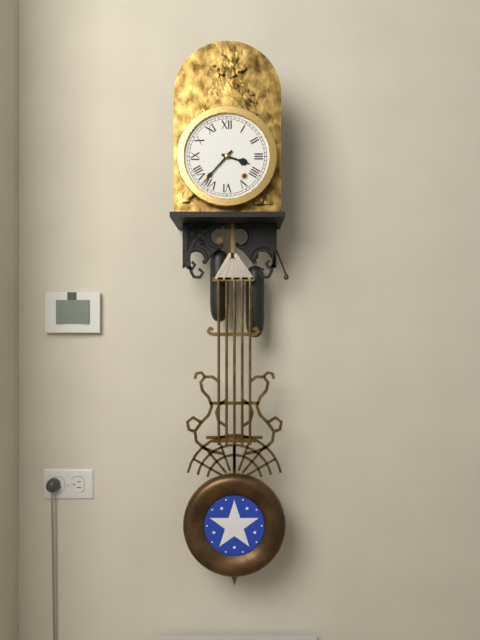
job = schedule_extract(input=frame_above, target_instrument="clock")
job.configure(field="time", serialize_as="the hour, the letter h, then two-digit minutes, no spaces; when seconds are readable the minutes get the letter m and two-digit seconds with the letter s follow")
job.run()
3h37
